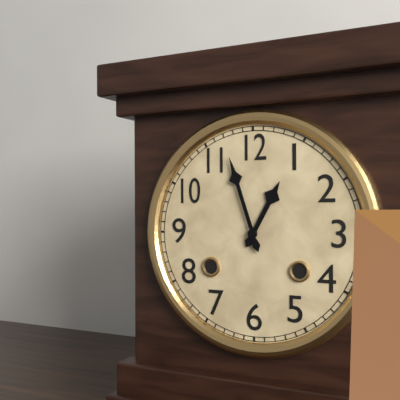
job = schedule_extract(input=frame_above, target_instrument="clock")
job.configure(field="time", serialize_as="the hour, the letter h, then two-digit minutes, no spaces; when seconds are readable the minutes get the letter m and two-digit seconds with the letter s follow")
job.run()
12h57
